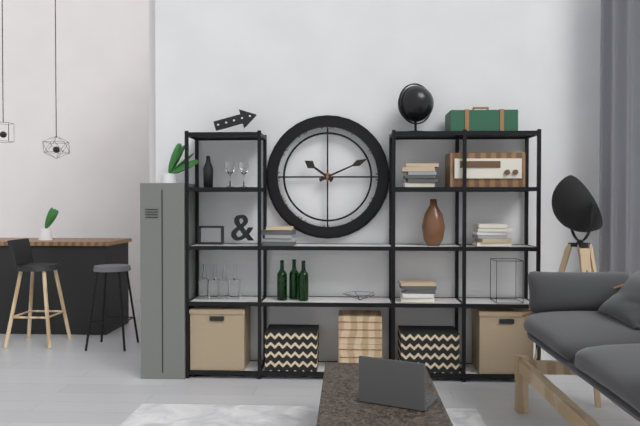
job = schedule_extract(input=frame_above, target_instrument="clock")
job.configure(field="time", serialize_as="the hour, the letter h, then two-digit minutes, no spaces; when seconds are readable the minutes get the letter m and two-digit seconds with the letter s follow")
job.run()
10h11
